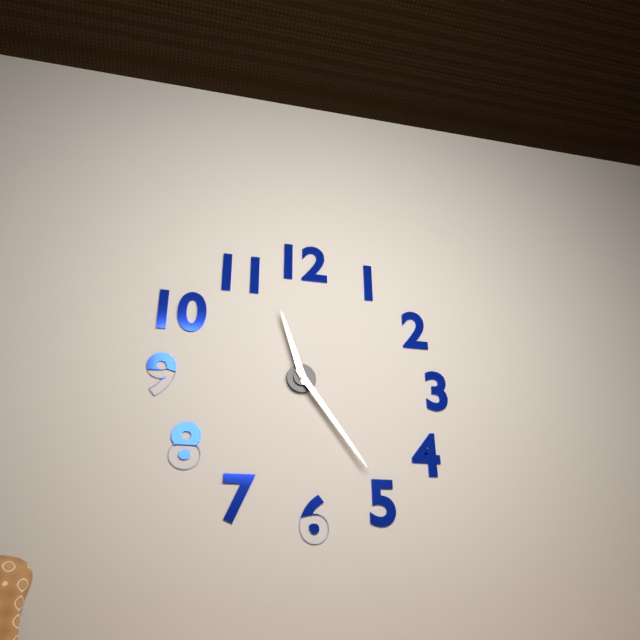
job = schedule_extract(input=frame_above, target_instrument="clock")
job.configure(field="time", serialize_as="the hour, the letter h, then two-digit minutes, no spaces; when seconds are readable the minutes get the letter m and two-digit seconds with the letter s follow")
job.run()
11h24
